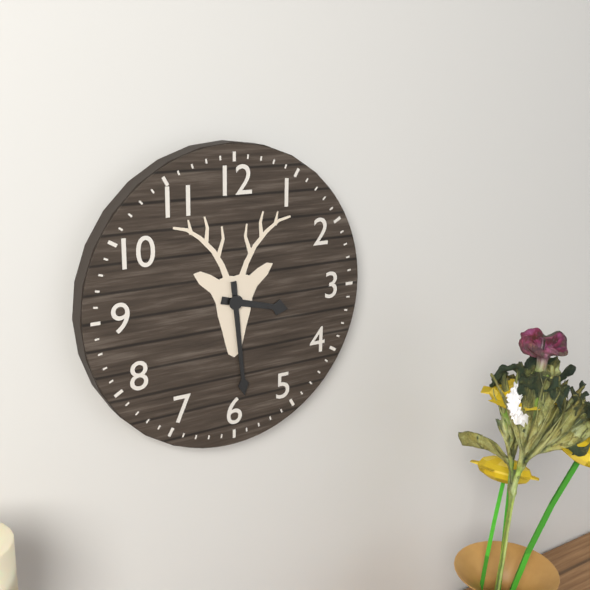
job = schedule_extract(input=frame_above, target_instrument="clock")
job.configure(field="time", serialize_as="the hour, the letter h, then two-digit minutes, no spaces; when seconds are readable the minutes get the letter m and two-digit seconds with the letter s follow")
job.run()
3h29
